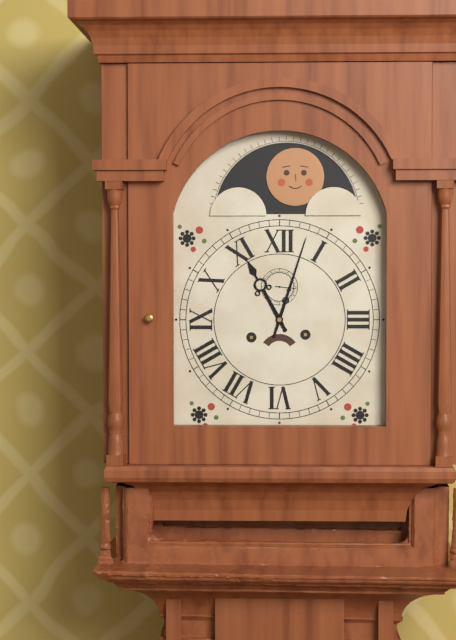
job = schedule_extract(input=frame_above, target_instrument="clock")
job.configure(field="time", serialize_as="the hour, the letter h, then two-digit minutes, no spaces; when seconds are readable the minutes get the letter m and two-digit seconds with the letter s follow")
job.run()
11h03
